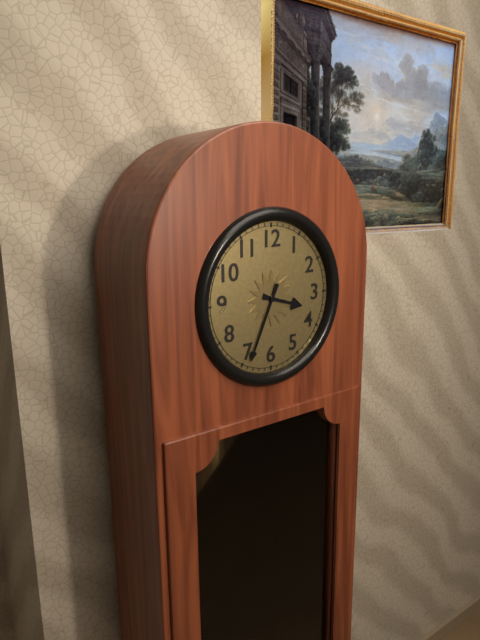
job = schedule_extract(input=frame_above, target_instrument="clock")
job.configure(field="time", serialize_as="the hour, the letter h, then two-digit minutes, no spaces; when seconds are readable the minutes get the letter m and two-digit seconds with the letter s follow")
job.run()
3h34
